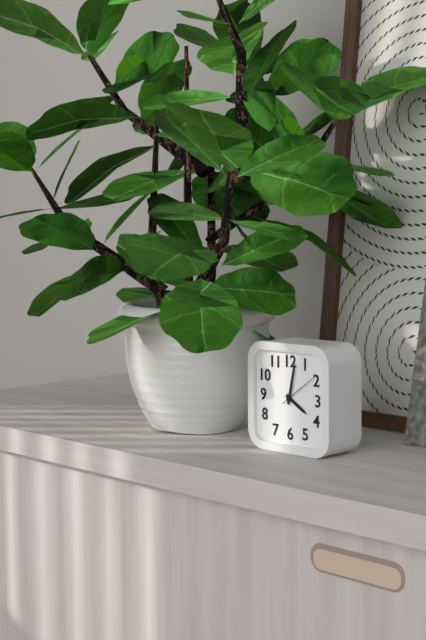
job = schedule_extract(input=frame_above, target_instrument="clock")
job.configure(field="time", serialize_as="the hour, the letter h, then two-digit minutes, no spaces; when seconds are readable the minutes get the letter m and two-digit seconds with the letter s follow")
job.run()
4h02
